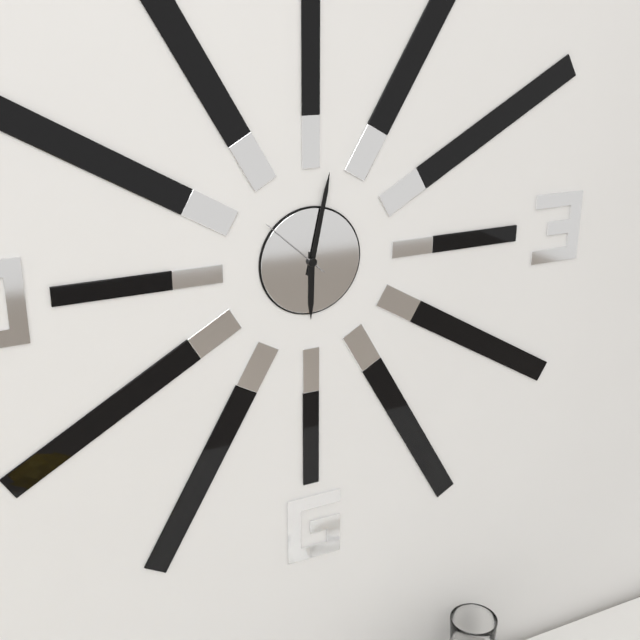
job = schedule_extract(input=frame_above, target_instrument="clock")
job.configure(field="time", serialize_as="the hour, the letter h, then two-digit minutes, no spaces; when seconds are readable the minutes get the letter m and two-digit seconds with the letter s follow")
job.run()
6h02m52s
